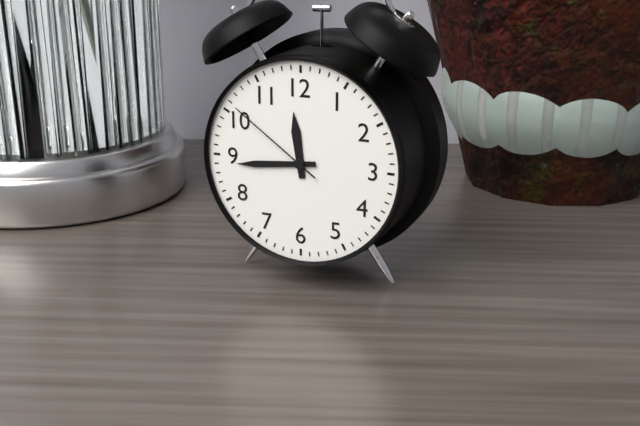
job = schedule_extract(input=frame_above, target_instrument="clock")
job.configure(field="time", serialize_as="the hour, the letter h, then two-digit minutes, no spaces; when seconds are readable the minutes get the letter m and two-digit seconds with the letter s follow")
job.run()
11h44m51s
